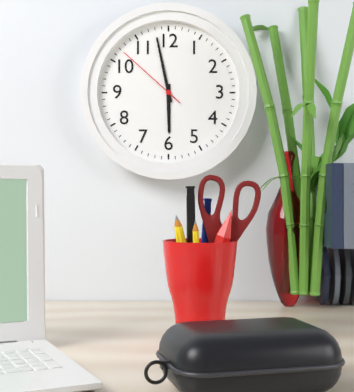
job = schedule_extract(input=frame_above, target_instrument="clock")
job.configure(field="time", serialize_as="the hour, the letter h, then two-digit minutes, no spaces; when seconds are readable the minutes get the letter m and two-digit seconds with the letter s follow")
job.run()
5h58m52s
